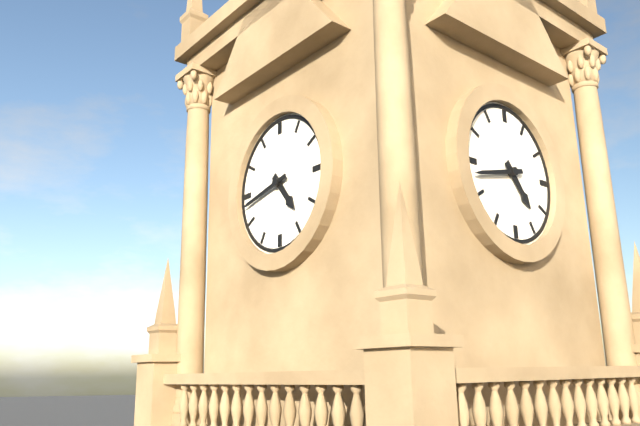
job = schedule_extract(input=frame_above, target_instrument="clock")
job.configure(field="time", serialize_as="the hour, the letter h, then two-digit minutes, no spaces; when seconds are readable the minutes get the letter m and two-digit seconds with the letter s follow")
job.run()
4h43
